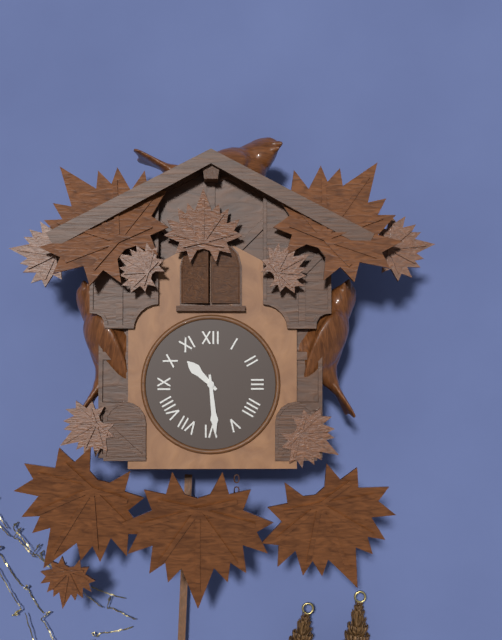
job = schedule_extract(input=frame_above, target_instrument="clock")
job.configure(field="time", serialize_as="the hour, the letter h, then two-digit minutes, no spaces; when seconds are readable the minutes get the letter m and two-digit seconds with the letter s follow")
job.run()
10h29
